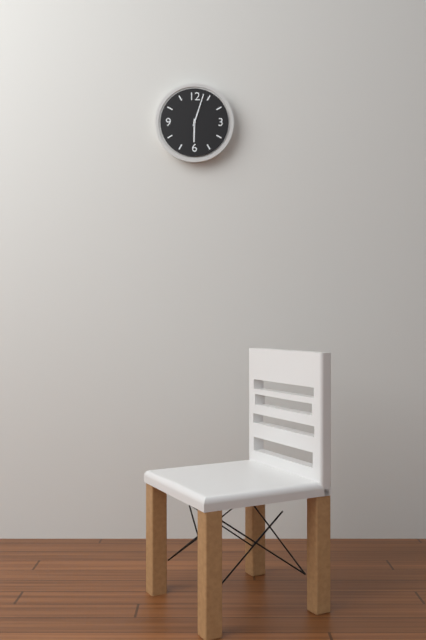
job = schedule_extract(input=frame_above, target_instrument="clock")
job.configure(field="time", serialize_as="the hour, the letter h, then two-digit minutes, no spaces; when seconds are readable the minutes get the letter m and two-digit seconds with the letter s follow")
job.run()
6h03
